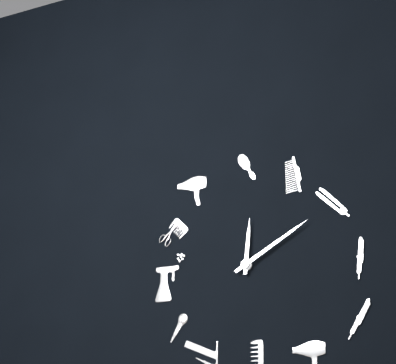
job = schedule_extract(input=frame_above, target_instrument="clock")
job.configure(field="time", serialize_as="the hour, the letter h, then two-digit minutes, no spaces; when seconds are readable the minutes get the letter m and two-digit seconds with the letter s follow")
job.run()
12h10
